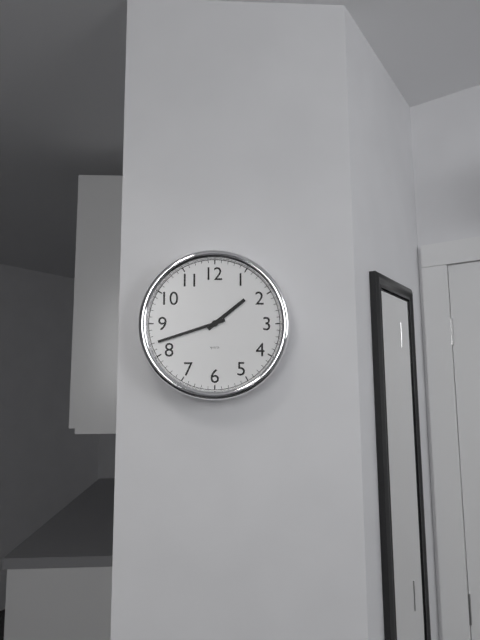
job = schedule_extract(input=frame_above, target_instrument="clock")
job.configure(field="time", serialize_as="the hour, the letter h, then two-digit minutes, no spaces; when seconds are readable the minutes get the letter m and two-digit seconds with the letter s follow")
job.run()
1h42
